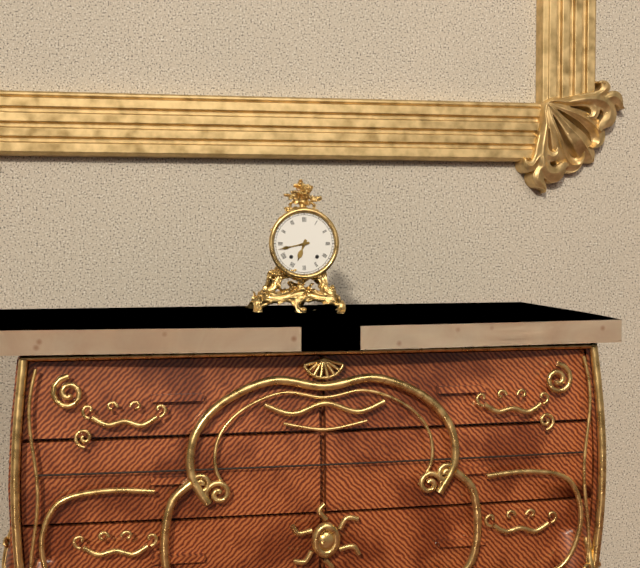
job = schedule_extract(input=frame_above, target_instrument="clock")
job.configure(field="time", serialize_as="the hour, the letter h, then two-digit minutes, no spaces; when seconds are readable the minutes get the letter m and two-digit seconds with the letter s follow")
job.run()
6h43
